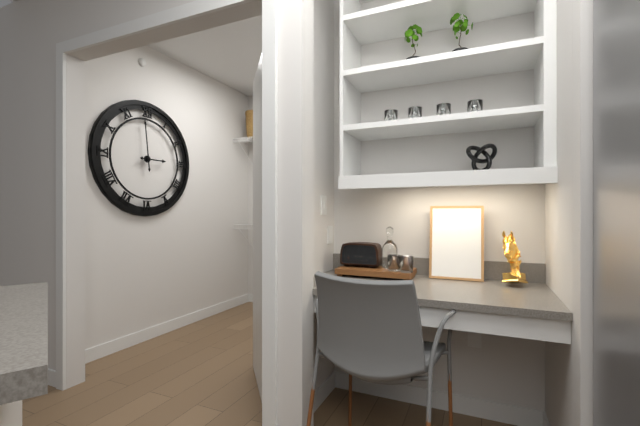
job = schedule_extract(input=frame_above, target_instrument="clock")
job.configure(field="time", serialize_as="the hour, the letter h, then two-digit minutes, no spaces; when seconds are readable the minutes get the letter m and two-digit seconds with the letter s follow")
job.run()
2h59
